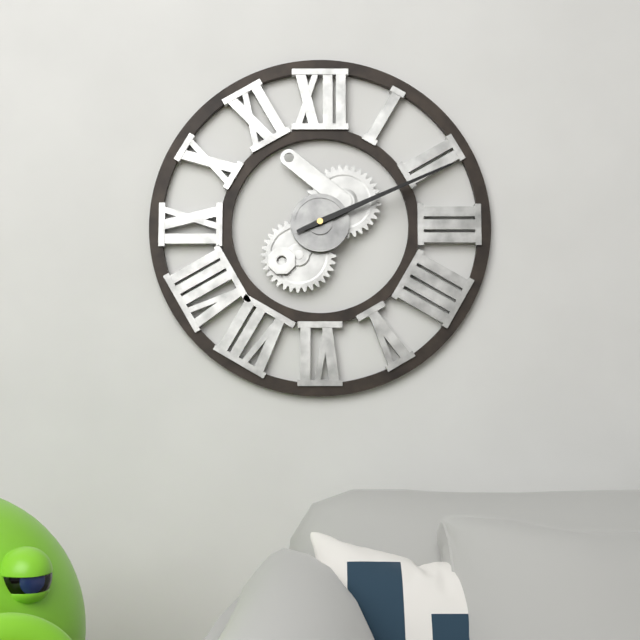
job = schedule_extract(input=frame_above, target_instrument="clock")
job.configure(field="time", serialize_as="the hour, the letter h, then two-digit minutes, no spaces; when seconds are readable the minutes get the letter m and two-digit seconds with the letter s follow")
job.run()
2h11
